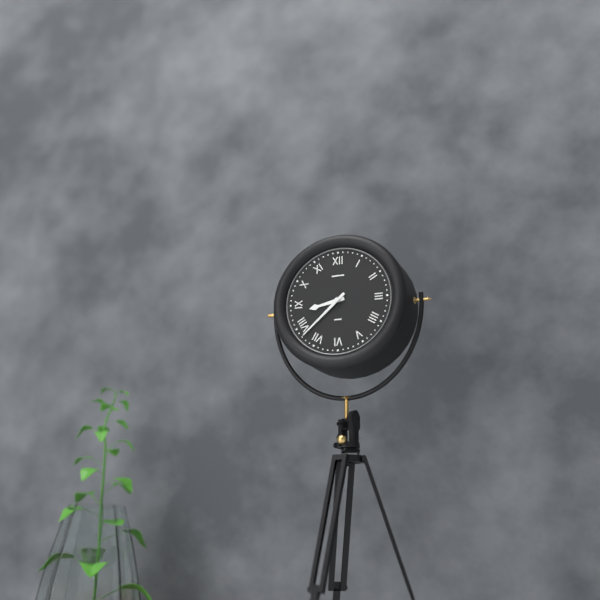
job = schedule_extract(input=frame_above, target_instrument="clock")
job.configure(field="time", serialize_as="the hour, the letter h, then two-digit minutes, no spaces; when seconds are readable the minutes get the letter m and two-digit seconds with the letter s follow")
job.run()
8h38
